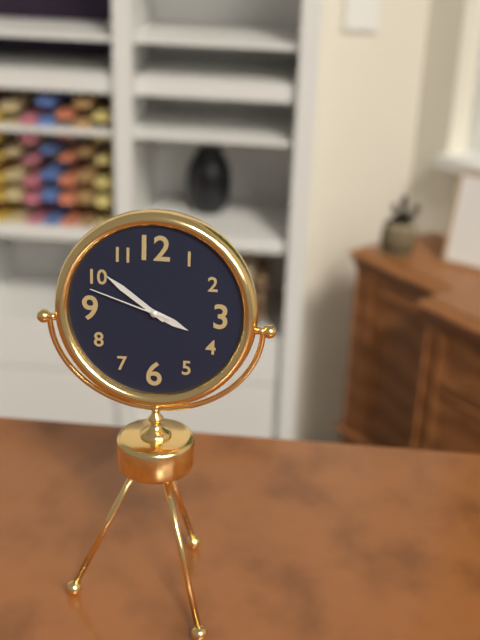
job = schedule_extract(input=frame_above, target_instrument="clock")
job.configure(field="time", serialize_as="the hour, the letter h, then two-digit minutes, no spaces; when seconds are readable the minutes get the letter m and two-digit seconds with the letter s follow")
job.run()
3h51m48s
